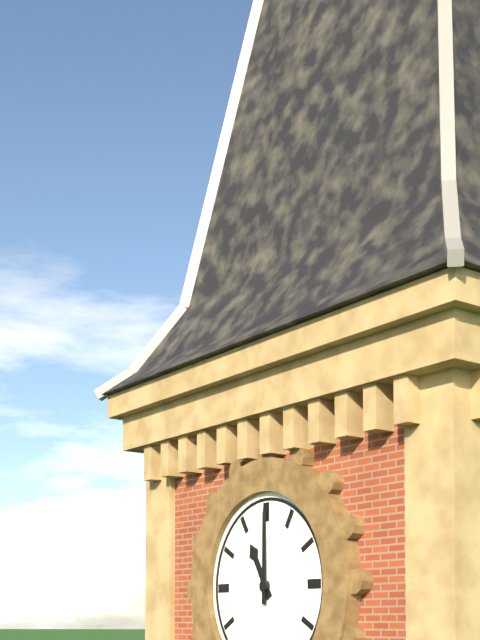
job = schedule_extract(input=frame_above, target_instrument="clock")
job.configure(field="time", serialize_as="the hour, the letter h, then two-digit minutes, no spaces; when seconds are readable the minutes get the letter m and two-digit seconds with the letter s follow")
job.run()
11h00
